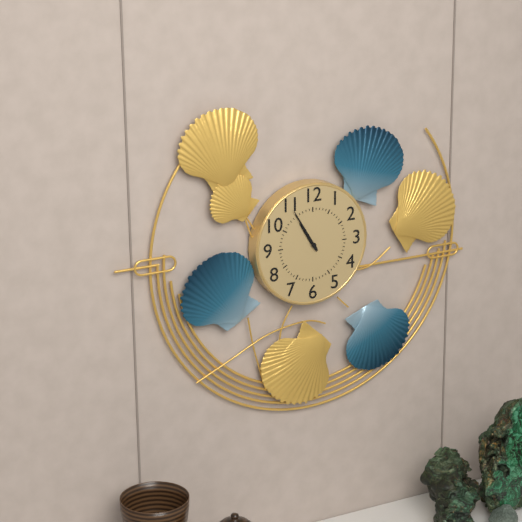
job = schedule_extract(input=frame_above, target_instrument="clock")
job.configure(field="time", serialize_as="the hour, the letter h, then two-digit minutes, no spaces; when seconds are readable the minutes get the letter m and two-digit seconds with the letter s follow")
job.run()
10h55
